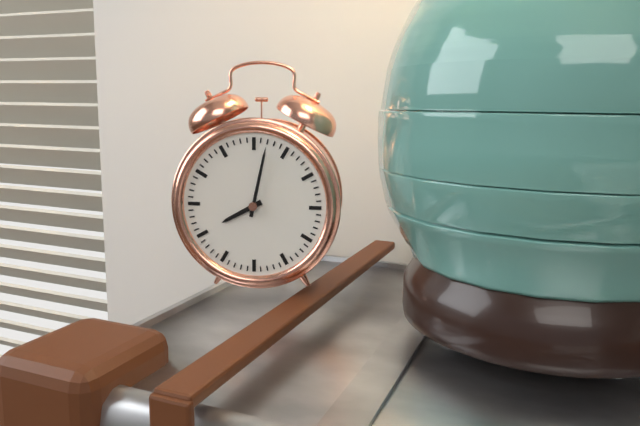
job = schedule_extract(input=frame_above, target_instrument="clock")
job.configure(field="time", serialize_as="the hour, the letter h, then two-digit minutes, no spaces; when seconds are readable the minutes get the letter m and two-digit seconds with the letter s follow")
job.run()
8h02
